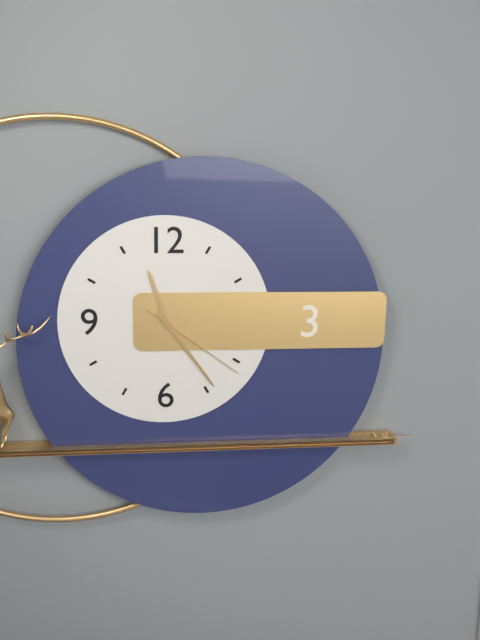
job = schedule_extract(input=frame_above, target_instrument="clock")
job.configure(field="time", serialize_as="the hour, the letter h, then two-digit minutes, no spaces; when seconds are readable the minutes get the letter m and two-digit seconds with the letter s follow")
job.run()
11h24m21s
